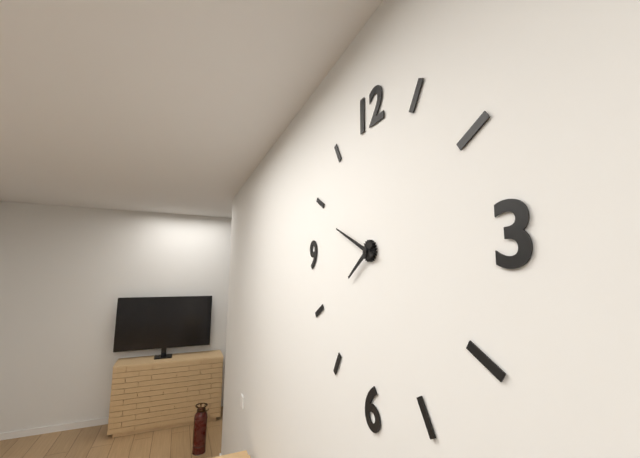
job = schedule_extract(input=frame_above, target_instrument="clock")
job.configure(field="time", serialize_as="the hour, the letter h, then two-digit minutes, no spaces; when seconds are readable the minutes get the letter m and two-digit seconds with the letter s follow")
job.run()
7h49
